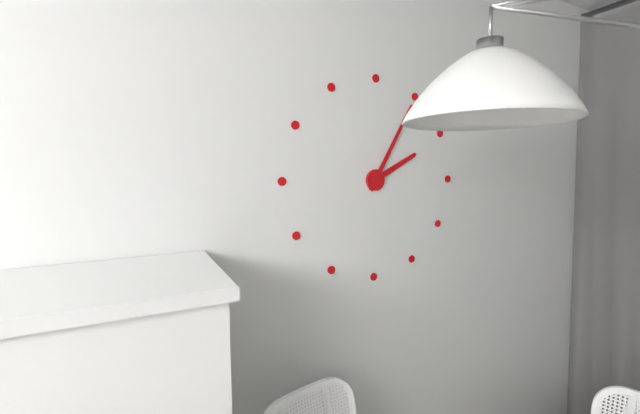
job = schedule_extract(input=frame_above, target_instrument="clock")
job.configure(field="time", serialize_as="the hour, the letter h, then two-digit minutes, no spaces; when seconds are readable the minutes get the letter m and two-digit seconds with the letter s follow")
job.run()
2h05
